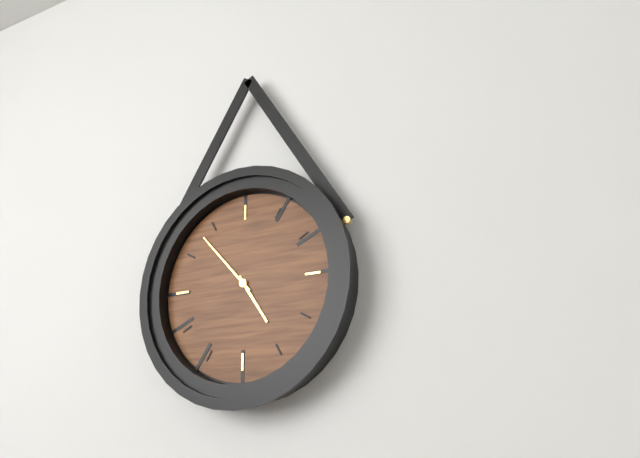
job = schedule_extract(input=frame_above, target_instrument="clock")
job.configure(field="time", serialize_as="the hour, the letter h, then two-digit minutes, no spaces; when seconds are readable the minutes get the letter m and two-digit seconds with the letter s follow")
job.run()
4h53
